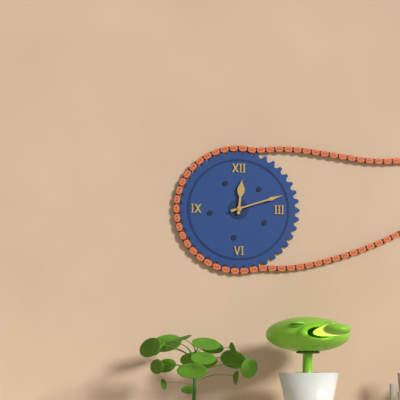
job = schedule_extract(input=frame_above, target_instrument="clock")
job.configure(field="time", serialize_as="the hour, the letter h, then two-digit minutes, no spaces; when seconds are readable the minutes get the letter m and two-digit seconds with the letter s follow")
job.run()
12h12
